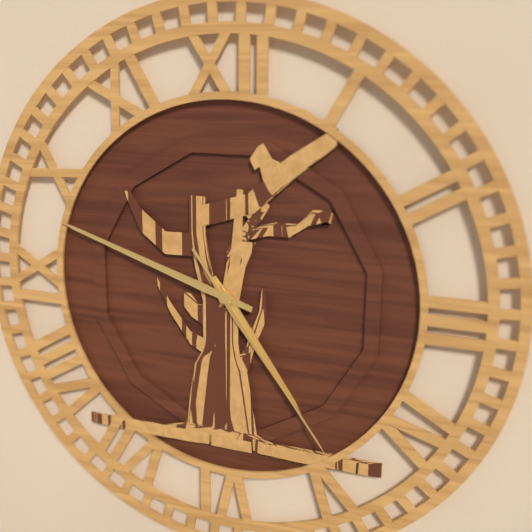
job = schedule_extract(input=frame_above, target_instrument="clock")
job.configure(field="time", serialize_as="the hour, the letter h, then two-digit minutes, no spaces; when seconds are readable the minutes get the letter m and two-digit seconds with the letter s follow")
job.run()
4h48m24s
